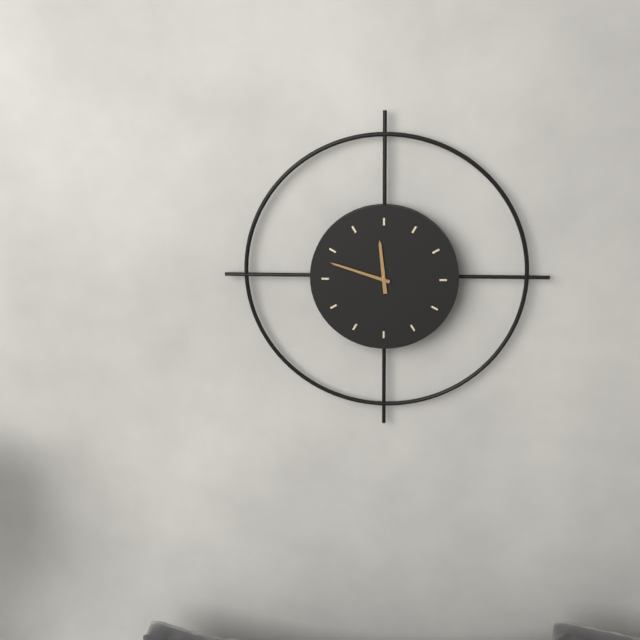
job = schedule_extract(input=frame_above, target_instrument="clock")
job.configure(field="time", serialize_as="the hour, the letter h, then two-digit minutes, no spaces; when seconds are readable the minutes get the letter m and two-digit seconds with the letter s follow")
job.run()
11h48
